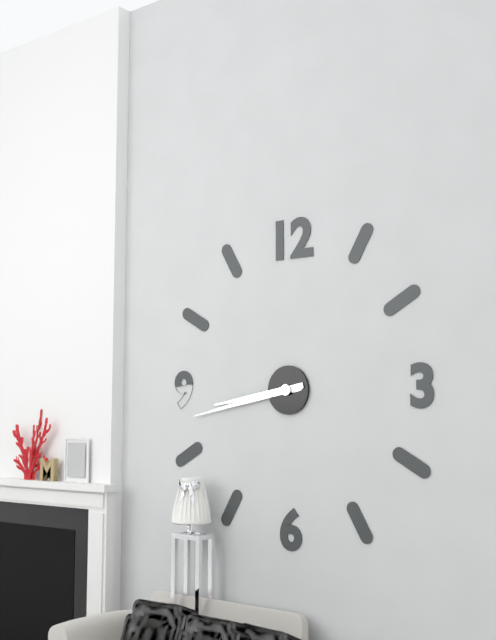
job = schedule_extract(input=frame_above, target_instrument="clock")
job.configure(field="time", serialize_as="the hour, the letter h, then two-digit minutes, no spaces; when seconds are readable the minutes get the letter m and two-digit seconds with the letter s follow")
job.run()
8h43
